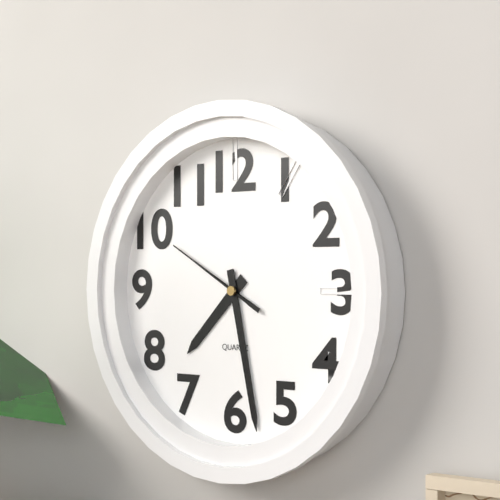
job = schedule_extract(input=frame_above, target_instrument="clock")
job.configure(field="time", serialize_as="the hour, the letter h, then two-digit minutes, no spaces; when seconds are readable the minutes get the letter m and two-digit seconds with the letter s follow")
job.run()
7h28m50s
